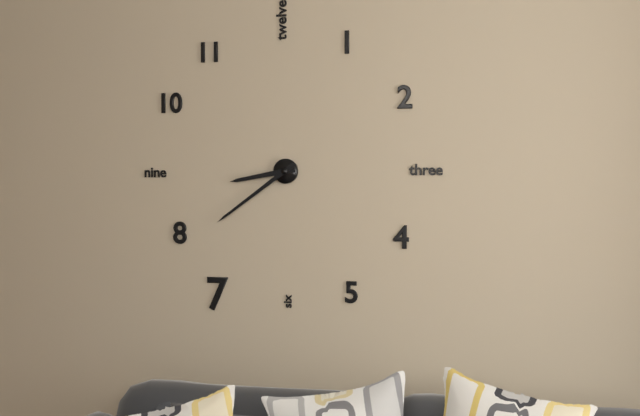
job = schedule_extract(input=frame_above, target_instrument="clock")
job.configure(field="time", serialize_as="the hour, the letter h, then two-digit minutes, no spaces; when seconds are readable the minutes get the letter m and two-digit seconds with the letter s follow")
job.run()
8h39
